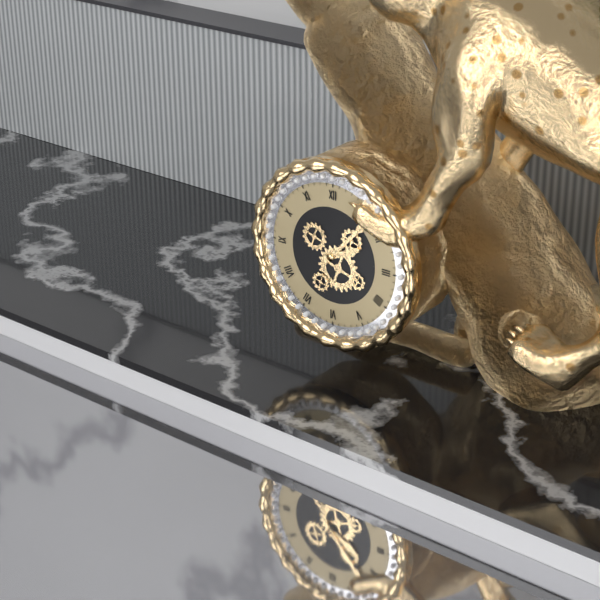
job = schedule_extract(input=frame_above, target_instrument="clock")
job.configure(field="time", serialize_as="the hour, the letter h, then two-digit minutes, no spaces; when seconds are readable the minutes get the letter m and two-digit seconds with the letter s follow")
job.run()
2h07
